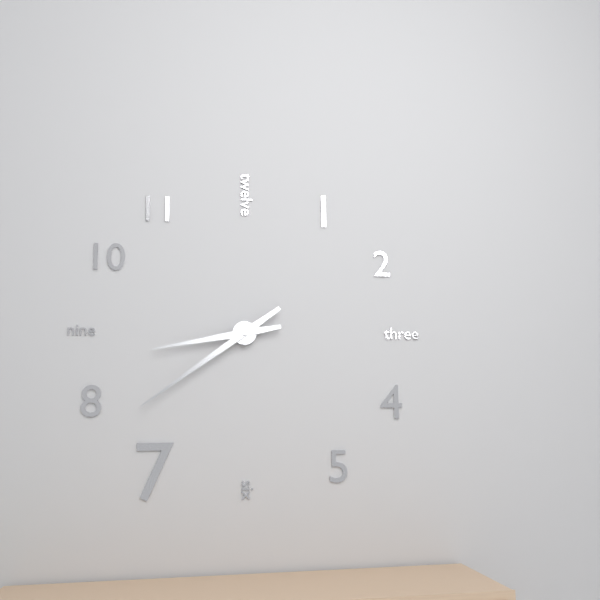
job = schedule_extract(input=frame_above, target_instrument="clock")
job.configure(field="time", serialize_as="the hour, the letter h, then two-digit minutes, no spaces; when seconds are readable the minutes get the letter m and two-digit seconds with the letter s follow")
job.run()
8h39
